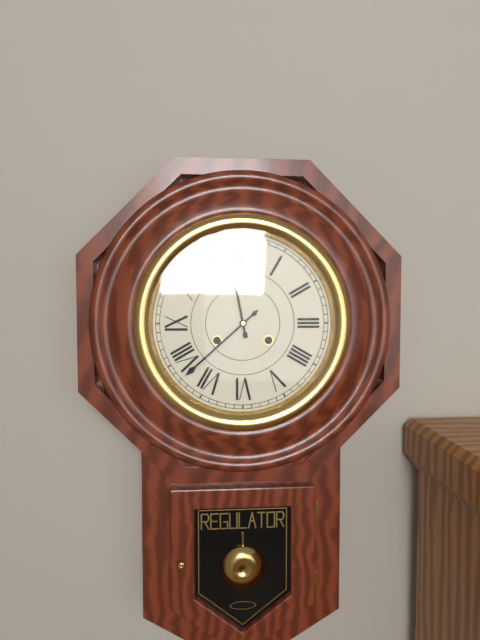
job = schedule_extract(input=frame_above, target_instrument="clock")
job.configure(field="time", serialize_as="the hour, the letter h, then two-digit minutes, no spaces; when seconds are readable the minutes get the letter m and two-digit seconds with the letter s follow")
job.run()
11h38
